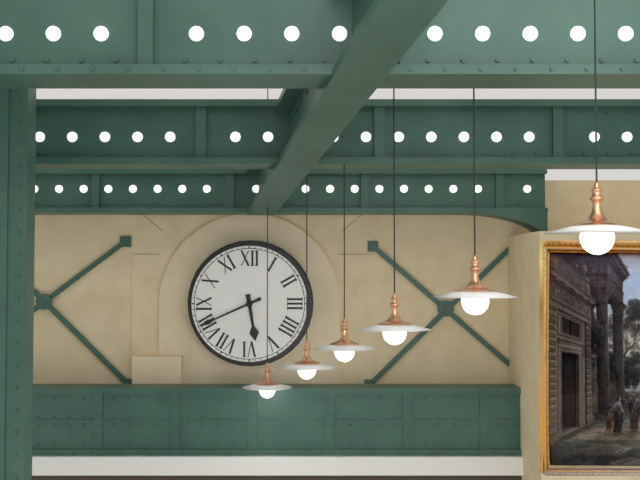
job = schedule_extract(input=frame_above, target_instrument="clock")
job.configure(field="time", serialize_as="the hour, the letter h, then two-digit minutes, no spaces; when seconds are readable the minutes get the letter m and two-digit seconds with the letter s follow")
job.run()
5h41
